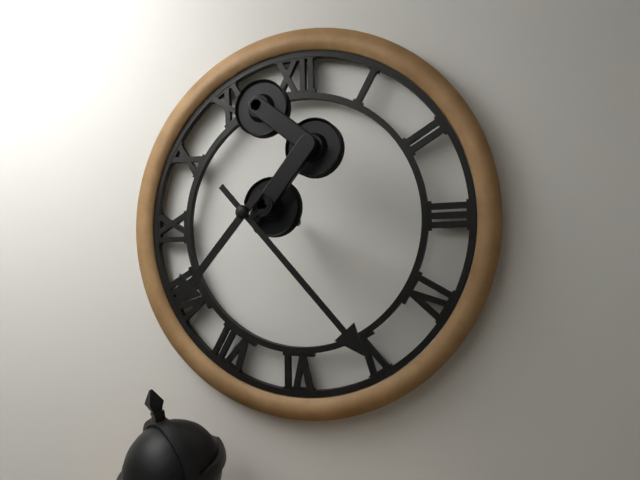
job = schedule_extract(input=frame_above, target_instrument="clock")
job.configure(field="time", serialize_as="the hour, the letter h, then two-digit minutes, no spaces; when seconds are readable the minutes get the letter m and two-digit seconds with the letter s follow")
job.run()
7h23
